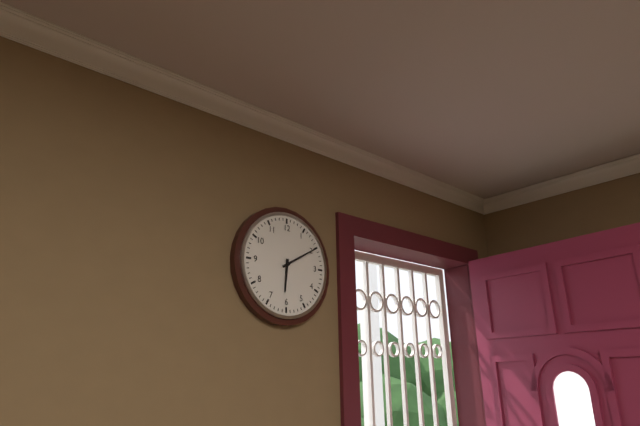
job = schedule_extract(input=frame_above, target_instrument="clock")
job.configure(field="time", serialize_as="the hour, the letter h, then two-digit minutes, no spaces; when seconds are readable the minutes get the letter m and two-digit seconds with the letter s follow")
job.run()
6h10
